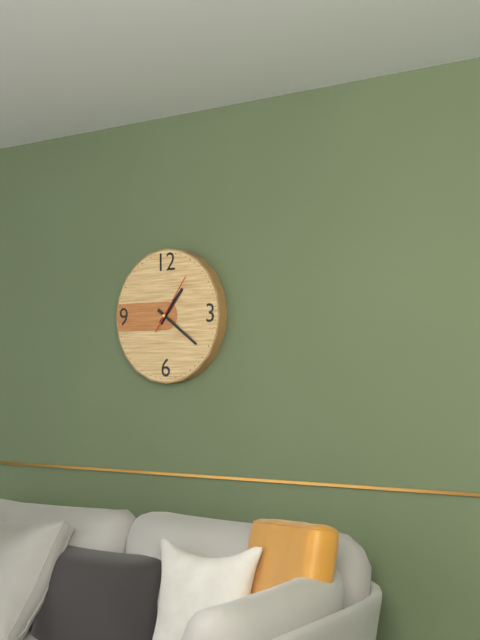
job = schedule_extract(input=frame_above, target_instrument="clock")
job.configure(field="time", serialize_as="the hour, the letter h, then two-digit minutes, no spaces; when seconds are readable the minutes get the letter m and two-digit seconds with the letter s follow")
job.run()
1h21m06s
